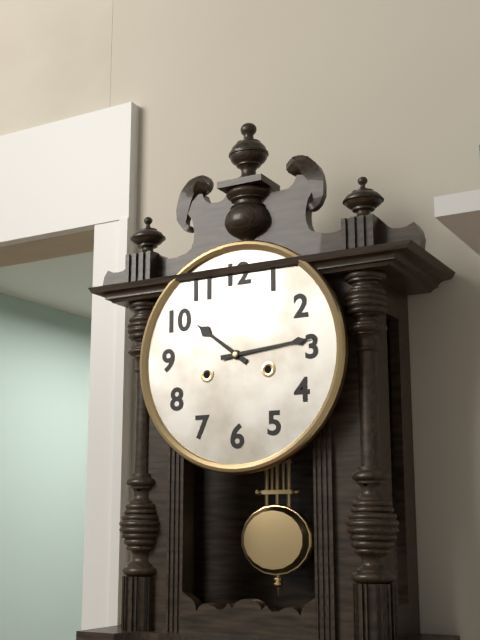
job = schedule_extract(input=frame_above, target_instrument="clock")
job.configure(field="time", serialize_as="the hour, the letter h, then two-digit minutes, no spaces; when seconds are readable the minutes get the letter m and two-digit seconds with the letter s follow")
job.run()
10h14
